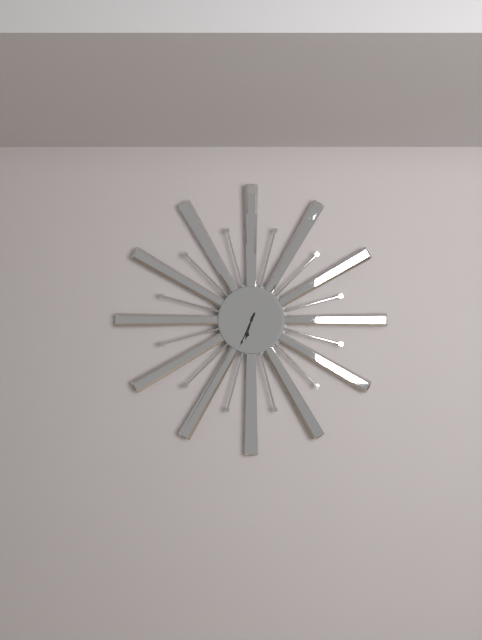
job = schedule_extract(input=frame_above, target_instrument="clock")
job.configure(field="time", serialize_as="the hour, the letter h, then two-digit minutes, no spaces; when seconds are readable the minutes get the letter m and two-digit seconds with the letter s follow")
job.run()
6h34
